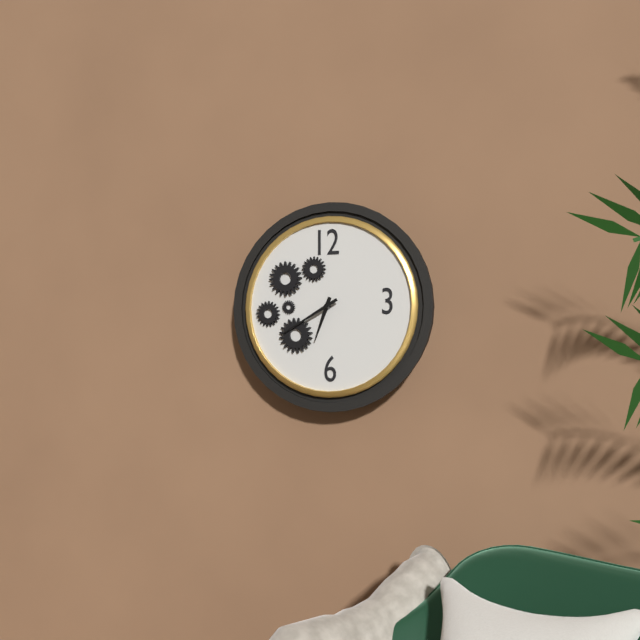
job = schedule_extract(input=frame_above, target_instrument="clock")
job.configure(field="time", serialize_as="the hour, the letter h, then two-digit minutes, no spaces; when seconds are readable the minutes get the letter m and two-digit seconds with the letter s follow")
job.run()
6h40
